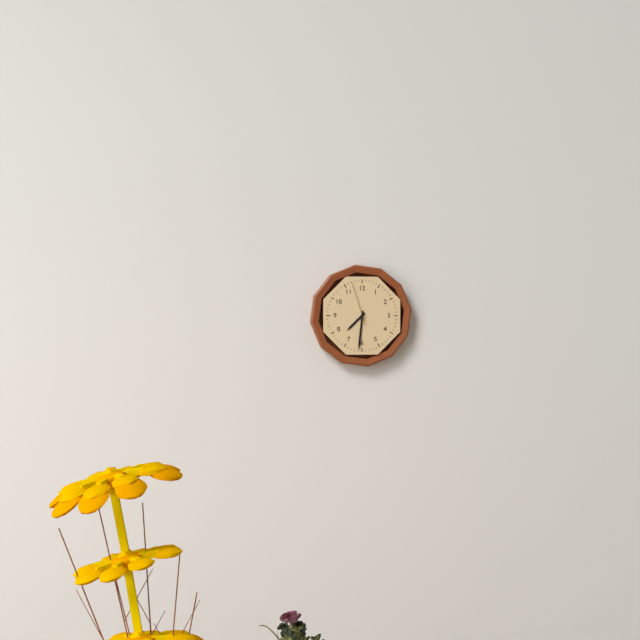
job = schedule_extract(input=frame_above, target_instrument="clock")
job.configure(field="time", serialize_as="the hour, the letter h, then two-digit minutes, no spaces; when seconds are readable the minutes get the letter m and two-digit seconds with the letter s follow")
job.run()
7h31
